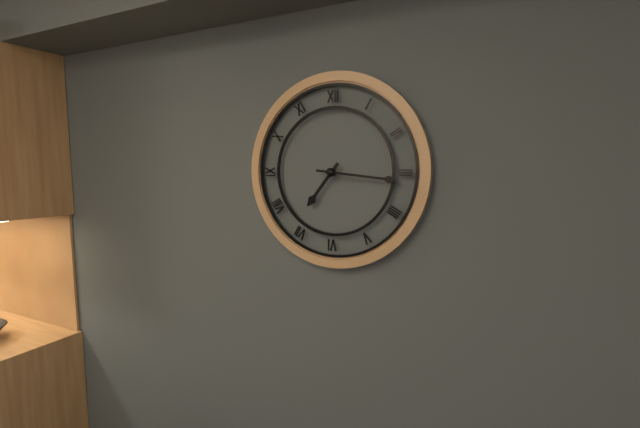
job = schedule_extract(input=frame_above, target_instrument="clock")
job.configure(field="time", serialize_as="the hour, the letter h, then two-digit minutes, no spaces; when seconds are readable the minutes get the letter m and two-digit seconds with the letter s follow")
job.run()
7h16
